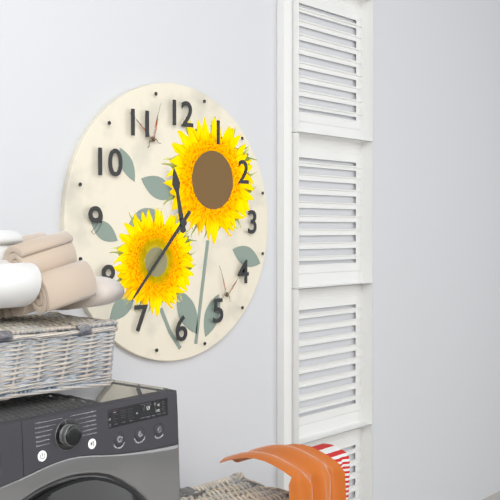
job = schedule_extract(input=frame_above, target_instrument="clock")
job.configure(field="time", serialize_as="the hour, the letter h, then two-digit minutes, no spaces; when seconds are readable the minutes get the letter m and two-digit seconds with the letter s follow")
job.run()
11h37
